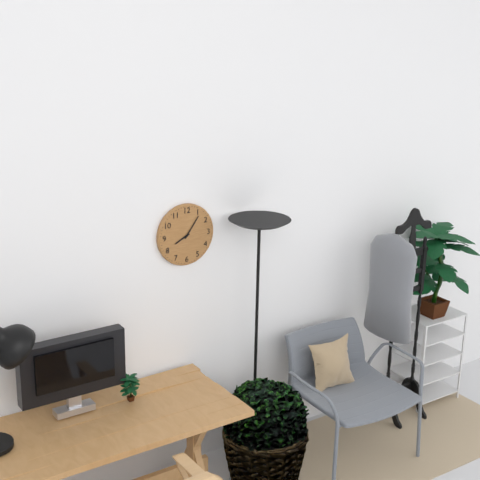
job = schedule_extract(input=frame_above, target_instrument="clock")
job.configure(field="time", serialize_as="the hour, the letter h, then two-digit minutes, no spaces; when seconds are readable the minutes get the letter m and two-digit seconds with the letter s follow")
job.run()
8h06
